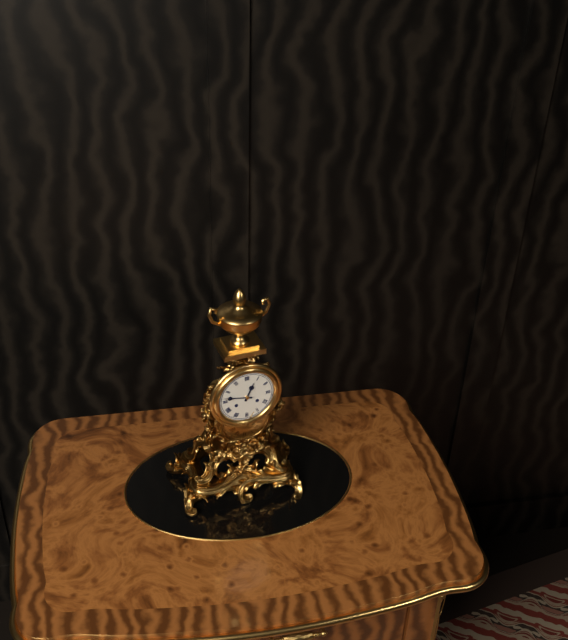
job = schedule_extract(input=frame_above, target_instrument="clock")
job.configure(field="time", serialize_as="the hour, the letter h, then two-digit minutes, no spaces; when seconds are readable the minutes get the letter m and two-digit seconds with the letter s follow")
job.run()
12h47
